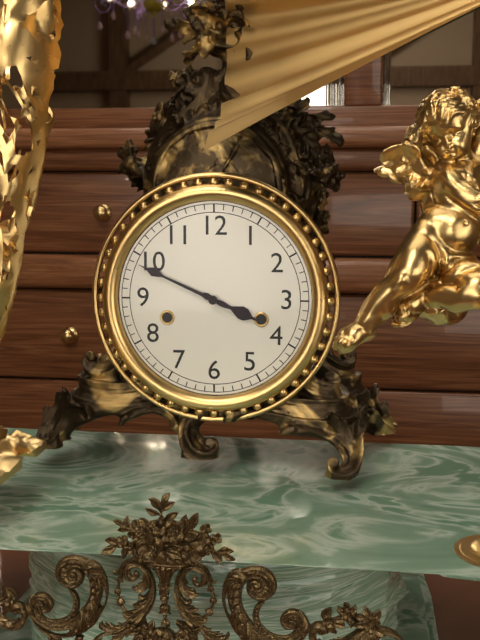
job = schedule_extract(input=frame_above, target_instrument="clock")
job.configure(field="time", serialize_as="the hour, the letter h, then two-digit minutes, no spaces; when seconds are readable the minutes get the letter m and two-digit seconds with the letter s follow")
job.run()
3h49
